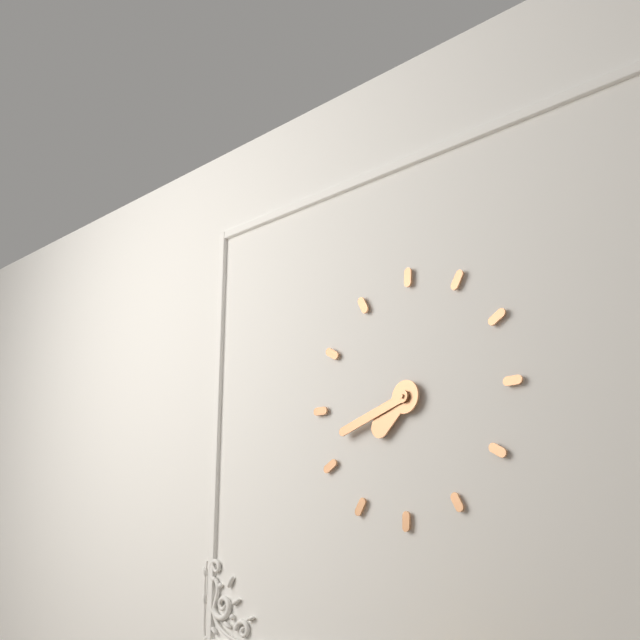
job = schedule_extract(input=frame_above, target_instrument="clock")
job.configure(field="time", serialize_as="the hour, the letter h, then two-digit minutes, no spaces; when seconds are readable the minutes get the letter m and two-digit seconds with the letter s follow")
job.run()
7h42
